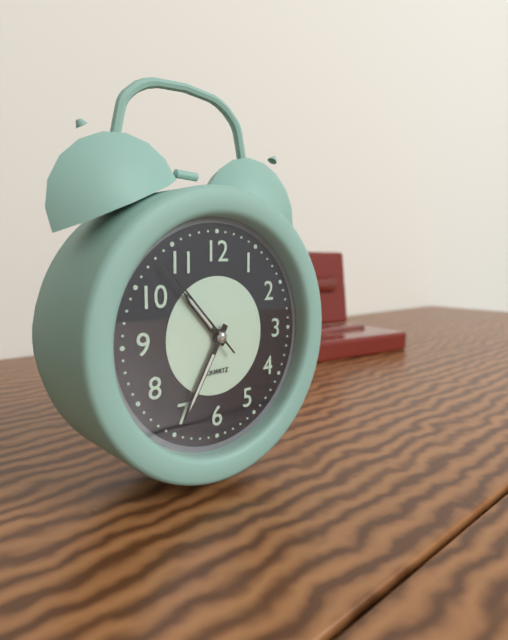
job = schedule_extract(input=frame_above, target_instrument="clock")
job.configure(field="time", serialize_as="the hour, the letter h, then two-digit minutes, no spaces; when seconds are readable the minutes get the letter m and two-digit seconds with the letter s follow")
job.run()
10h35m53s
